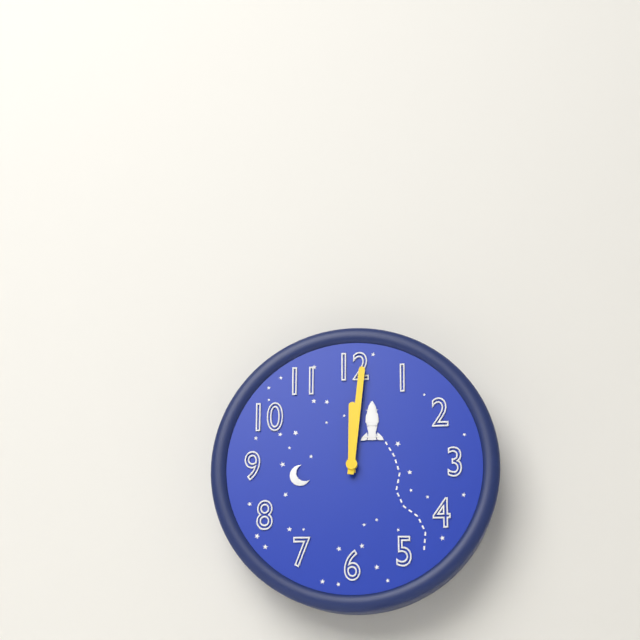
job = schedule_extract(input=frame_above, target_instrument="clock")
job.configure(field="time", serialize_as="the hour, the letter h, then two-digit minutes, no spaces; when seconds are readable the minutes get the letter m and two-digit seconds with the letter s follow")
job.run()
12h01
